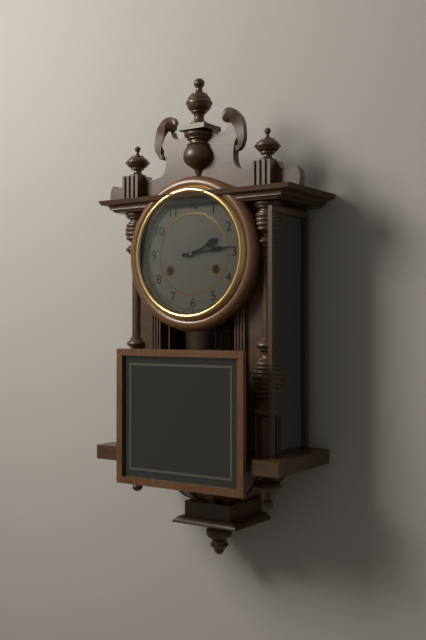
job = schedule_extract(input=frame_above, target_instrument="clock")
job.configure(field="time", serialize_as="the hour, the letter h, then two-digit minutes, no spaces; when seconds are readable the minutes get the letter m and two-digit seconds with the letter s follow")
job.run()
2h14
